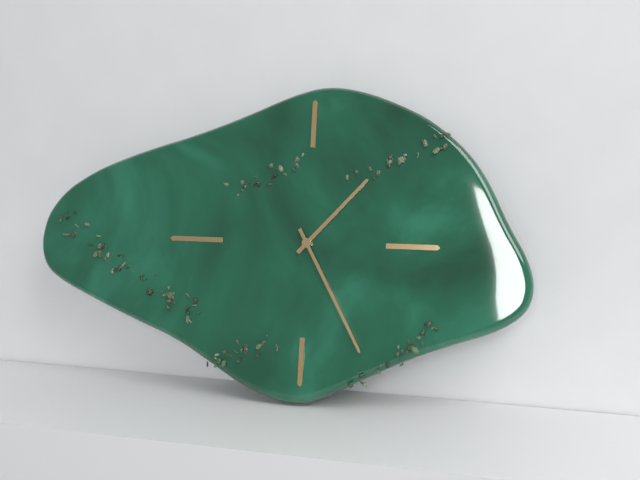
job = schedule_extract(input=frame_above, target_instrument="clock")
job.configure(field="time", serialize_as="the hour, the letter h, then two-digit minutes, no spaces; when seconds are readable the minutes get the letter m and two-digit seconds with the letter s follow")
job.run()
1h25
